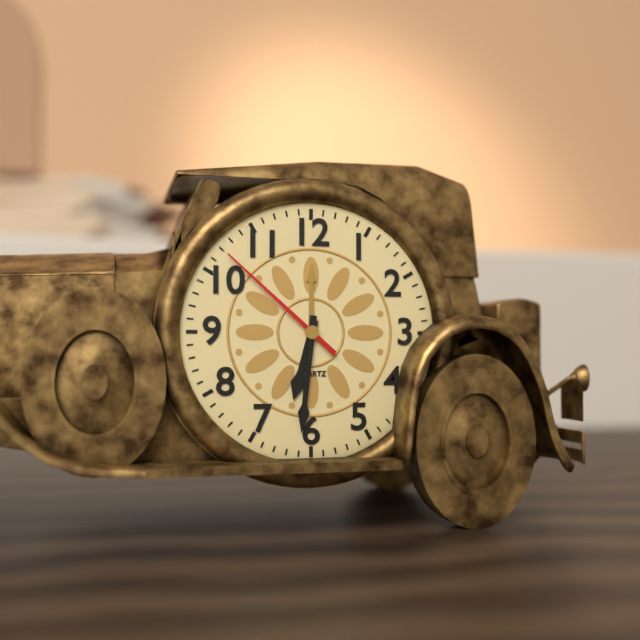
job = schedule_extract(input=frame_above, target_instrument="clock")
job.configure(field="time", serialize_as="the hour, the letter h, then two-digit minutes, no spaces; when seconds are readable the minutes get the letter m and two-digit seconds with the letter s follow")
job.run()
6h31m52s
